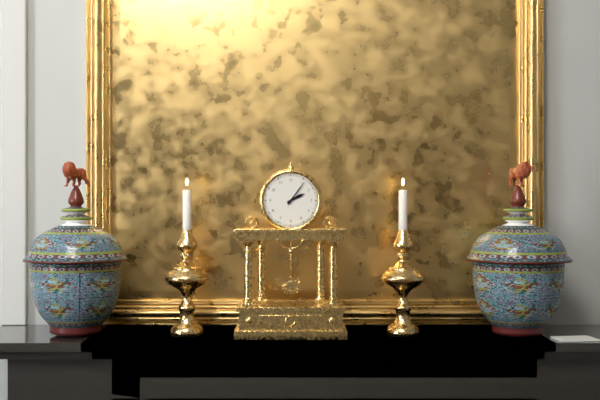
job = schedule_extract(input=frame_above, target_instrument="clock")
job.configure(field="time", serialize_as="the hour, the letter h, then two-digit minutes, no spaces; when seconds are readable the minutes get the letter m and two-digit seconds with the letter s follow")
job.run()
2h06
